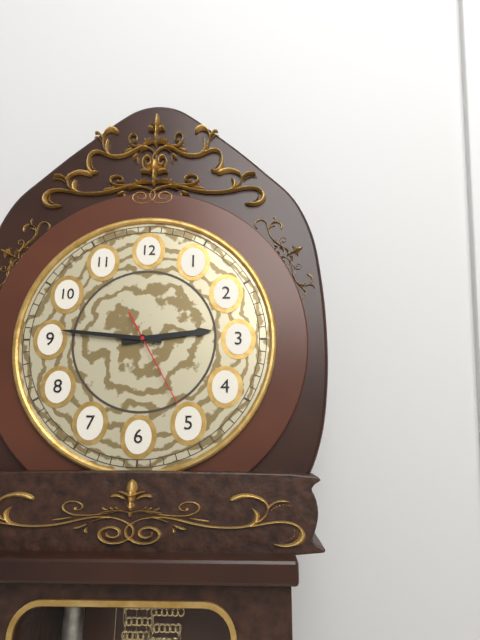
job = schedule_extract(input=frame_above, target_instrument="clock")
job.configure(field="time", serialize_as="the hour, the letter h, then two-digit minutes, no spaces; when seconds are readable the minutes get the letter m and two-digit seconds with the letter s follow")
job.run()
2h46m25s
